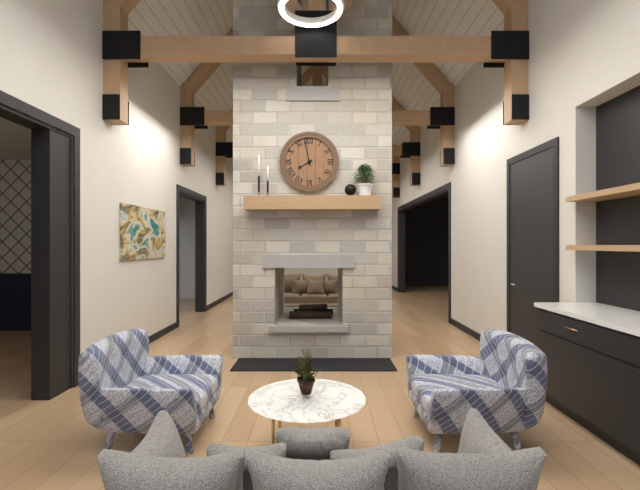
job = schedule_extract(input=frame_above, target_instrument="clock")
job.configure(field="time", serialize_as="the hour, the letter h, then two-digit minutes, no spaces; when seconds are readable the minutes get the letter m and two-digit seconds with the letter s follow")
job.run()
7h58
